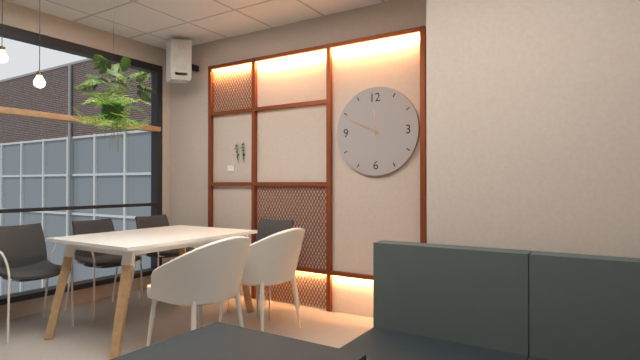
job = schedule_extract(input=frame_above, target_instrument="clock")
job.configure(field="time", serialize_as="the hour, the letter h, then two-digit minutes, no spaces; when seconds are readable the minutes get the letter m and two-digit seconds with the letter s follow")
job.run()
11h49
